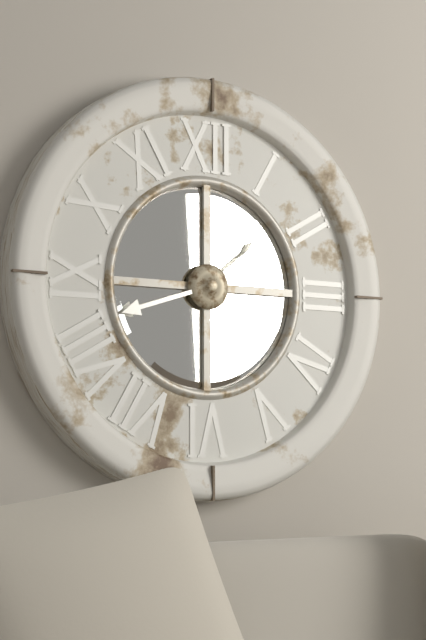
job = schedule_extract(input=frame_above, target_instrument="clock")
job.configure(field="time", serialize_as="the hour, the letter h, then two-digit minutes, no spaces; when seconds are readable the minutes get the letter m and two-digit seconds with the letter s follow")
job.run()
1h42
